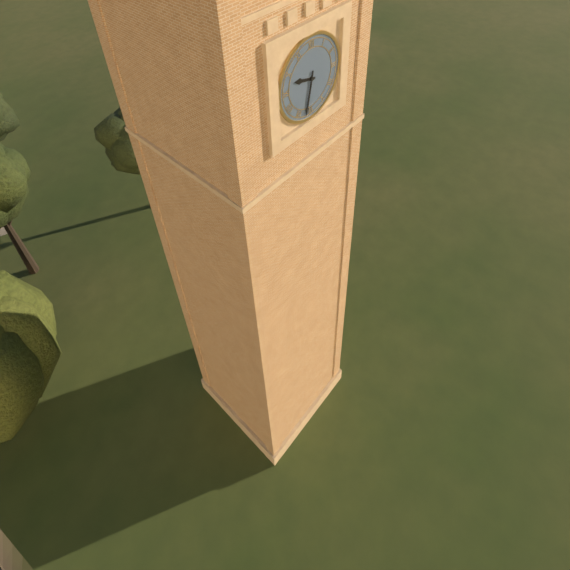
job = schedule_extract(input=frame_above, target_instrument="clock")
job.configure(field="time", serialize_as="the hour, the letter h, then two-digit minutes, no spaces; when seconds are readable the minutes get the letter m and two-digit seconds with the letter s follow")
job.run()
9h32
